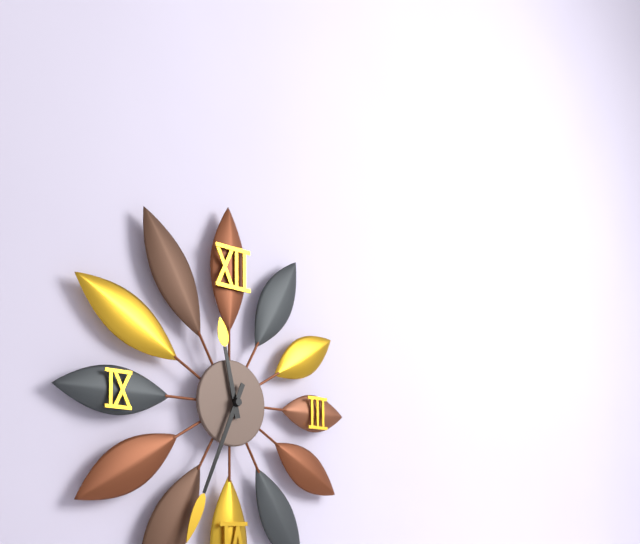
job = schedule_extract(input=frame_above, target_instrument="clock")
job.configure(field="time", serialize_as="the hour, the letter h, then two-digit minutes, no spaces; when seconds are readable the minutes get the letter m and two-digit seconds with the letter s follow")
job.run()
11h34
